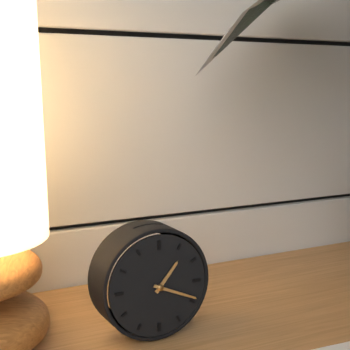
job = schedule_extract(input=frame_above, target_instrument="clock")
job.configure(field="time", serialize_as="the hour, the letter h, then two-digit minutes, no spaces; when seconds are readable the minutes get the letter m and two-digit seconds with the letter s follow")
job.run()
1h19
